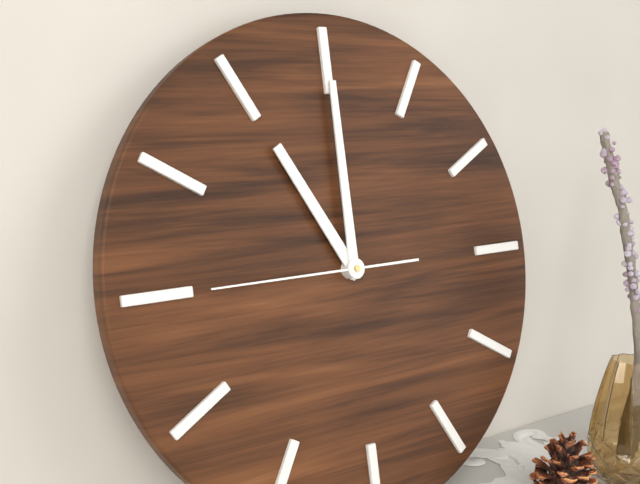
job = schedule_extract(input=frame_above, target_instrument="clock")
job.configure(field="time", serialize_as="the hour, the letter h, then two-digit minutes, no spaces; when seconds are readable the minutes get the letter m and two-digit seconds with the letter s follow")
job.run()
11h00m45s
